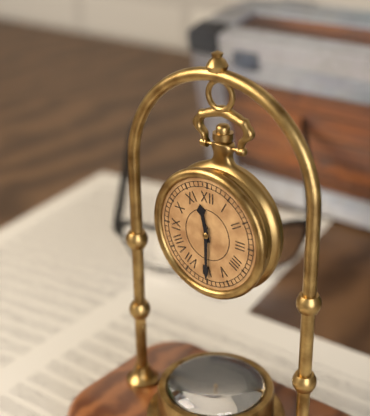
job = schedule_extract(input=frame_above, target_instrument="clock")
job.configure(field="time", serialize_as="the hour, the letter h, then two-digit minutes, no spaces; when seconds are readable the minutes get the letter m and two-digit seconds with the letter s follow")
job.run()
11h30
